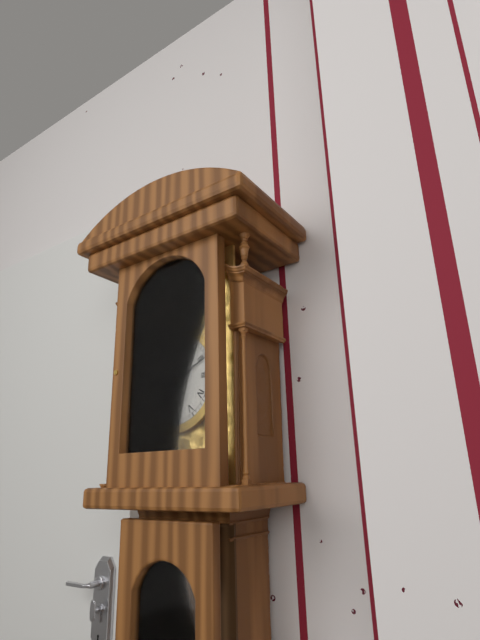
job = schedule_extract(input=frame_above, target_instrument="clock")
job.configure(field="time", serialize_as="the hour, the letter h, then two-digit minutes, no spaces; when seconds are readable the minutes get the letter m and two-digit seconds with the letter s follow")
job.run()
7h11
